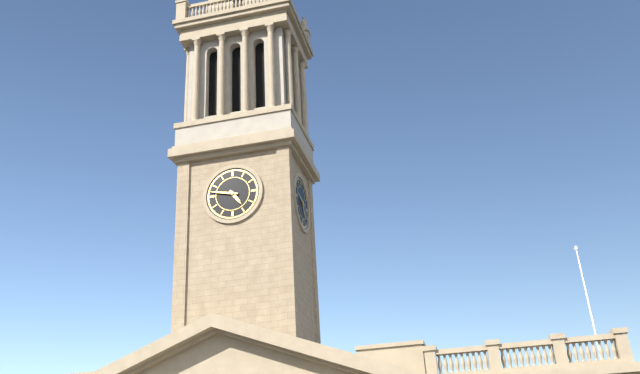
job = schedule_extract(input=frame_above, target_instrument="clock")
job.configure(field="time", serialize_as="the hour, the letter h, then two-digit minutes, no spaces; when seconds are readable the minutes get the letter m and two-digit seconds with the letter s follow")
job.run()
4h47
